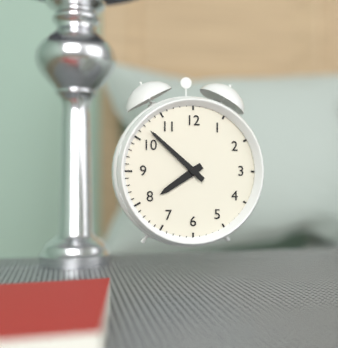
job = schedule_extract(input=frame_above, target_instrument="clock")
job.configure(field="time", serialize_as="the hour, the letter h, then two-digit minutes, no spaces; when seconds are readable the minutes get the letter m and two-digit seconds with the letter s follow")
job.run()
7h52
